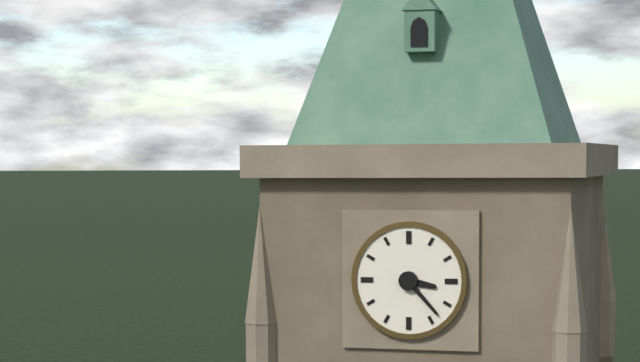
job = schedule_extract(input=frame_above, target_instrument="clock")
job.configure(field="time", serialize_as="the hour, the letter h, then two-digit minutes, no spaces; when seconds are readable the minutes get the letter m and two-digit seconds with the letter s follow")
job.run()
3h23
